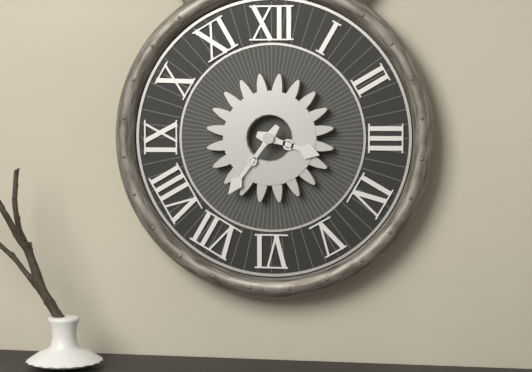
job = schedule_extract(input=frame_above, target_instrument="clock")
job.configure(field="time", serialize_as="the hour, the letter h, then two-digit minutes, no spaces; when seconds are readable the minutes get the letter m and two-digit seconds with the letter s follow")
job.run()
3h36
